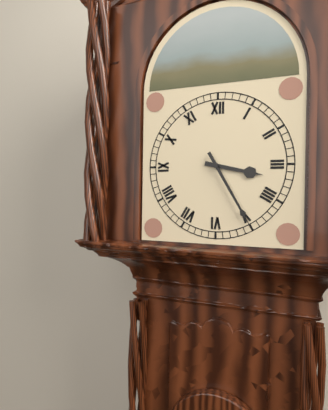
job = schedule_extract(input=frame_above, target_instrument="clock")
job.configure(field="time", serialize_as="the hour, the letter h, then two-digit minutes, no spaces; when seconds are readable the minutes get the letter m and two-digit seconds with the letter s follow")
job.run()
3h25
